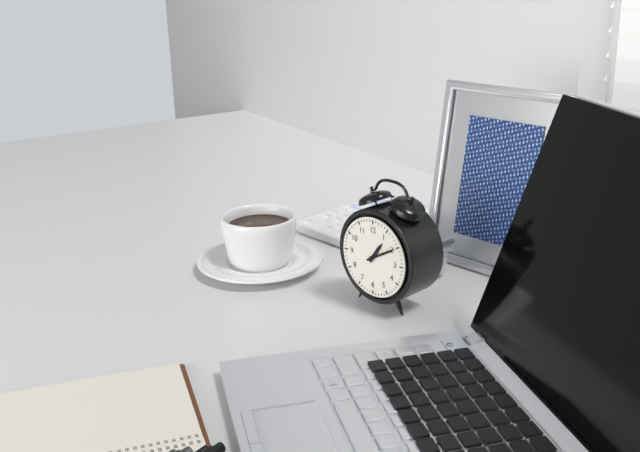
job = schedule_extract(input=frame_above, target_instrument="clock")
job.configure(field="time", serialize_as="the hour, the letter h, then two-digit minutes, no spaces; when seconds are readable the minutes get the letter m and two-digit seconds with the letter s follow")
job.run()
1h10
